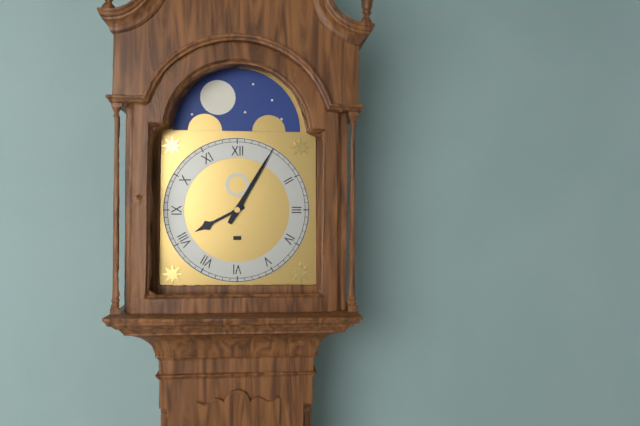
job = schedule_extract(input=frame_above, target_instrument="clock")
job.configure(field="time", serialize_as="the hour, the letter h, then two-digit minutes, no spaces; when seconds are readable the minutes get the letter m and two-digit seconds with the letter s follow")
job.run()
8h05
